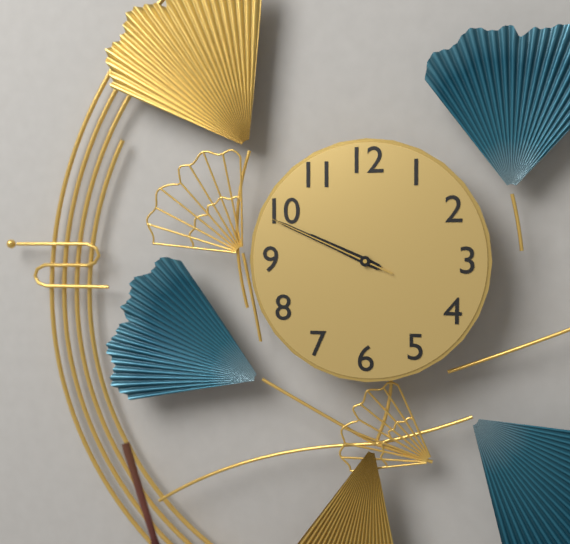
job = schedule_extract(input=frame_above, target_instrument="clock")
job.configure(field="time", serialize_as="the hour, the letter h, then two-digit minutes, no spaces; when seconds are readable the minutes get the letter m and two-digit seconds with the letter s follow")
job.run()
9h49m49s
